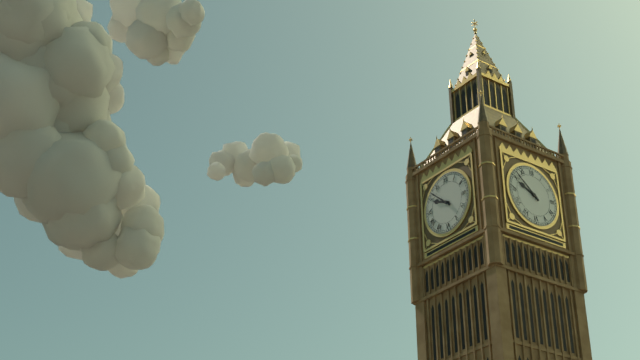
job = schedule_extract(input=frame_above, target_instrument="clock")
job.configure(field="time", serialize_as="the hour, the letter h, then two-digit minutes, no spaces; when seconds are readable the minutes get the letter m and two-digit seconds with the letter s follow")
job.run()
9h52
